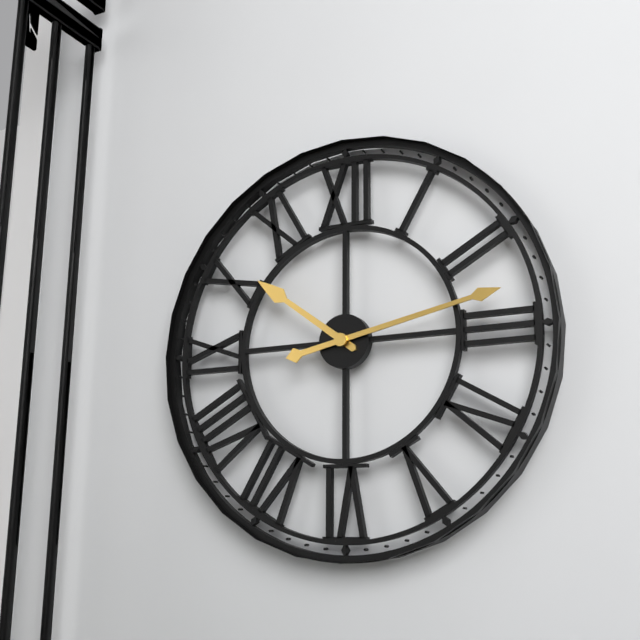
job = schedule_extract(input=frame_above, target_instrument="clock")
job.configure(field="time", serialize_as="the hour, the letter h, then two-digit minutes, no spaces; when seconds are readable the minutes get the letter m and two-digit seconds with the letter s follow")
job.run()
10h13
